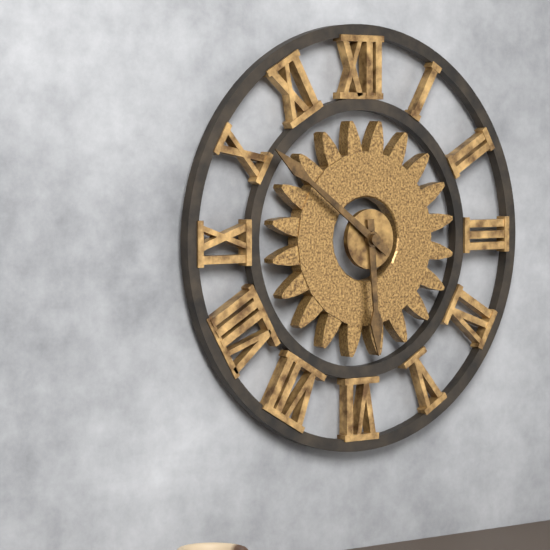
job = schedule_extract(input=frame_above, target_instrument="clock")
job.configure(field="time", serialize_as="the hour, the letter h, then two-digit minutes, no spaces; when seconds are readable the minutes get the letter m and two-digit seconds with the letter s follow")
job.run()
5h51
